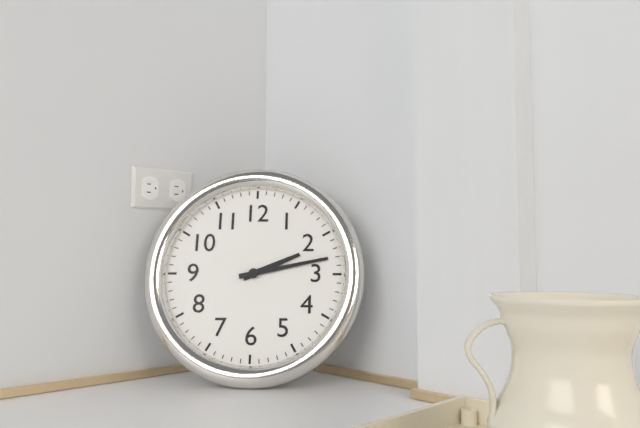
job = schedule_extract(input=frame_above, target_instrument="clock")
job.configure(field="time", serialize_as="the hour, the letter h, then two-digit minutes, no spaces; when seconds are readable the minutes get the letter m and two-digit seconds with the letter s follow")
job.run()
2h13
